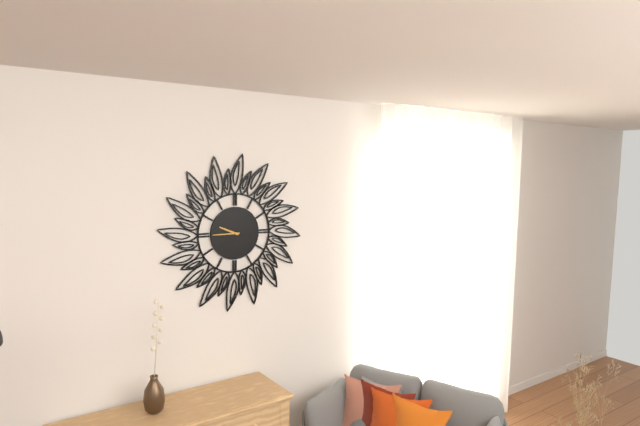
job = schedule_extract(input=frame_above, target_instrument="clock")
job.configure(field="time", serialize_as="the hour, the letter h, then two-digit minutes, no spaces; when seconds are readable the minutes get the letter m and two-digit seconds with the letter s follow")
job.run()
9h45
